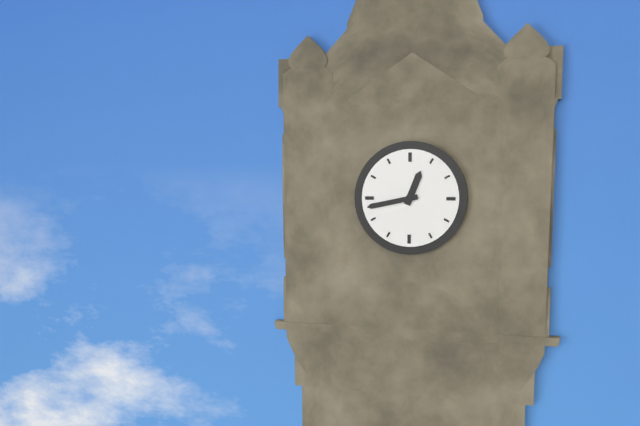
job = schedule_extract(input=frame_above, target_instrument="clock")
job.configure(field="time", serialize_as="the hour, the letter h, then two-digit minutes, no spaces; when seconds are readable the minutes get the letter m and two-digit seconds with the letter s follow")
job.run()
12h43
